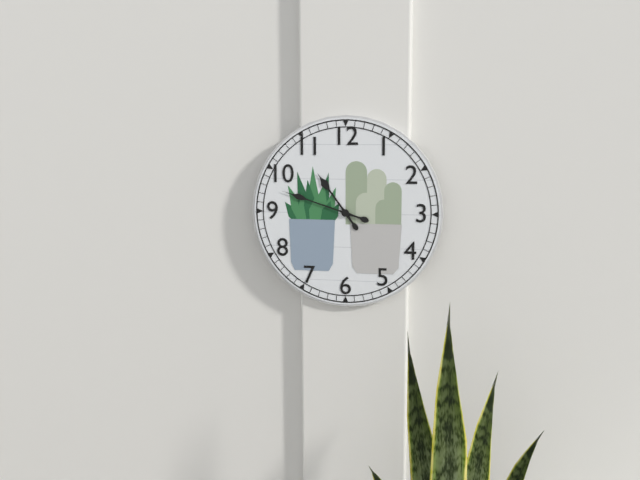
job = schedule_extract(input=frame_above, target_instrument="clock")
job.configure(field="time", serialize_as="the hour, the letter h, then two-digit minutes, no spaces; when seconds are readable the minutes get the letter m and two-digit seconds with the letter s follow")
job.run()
10h48
